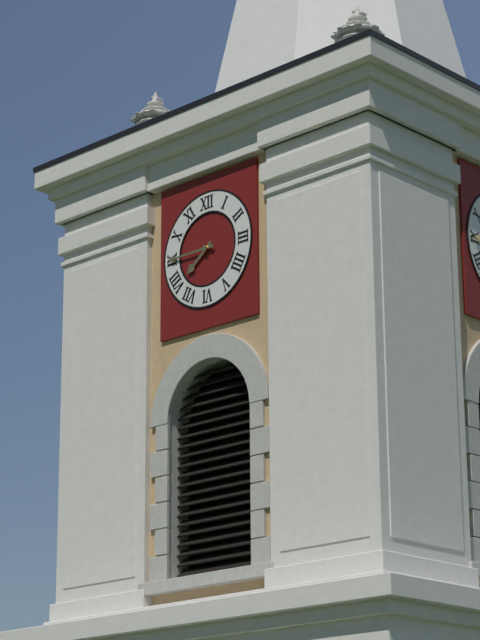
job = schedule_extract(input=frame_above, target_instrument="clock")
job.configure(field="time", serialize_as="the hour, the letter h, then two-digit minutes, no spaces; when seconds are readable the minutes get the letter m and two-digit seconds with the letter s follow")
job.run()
7h45
